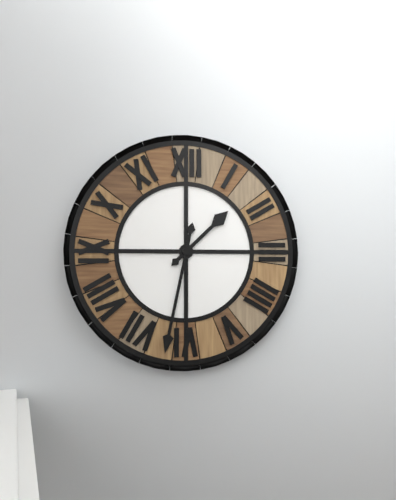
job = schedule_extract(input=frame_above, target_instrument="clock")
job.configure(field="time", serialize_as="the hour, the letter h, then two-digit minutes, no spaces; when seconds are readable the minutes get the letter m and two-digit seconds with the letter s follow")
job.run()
1h32
